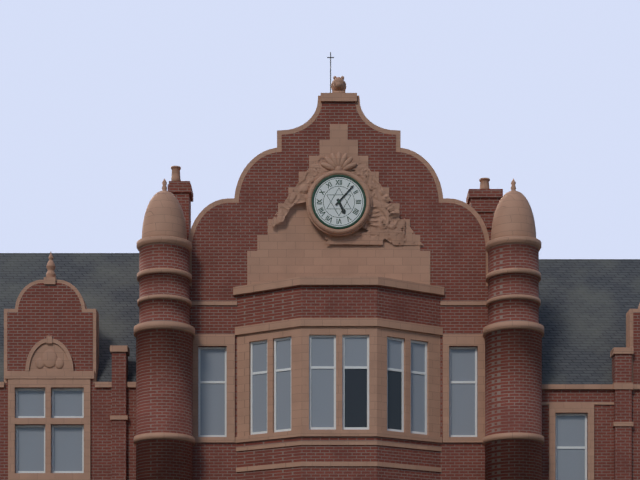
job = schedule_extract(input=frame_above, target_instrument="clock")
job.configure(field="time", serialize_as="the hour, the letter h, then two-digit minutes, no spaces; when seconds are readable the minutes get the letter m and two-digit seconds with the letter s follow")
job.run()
5h07
